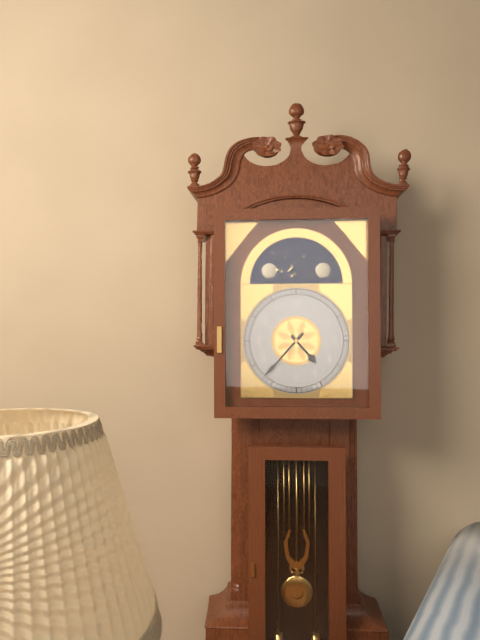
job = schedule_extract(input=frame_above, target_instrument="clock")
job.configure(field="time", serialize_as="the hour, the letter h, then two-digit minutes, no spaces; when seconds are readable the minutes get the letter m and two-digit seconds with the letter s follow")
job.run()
4h37
